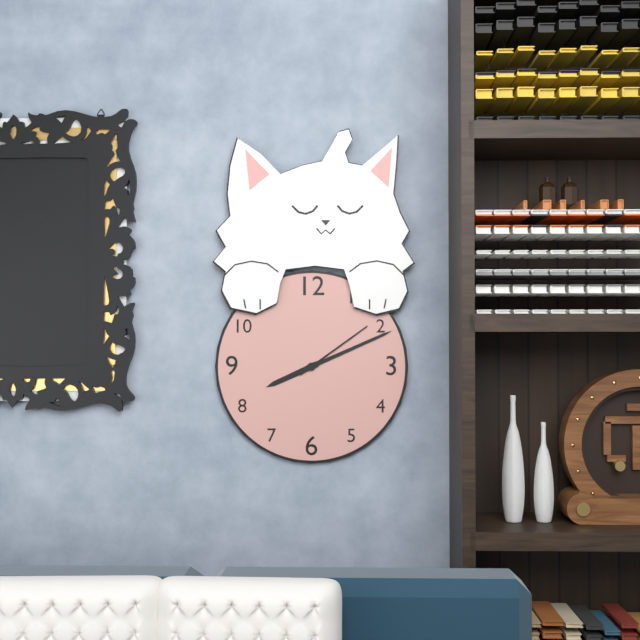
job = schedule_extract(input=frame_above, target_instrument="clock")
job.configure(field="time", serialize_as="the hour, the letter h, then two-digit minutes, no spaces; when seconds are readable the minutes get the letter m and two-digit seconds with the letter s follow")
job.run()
8h11m09s
